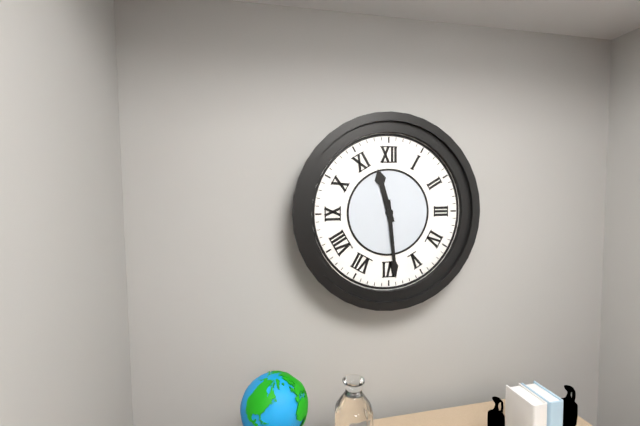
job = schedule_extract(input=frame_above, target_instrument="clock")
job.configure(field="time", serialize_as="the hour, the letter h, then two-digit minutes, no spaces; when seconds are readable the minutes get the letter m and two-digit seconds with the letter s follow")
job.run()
11h29
